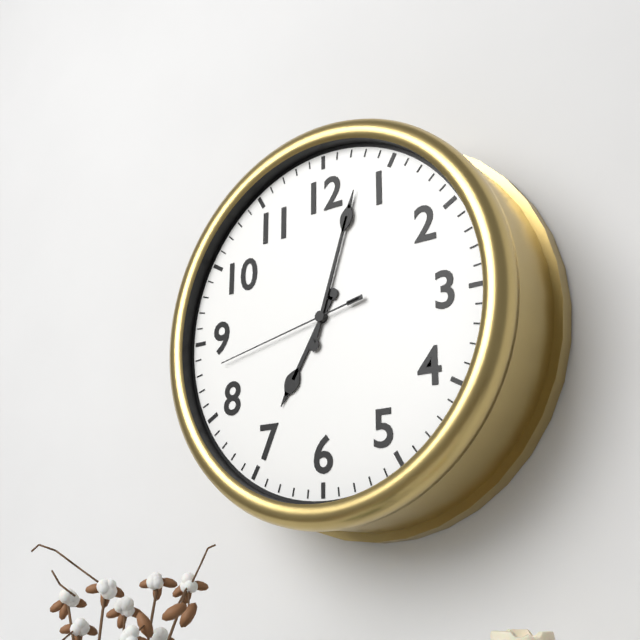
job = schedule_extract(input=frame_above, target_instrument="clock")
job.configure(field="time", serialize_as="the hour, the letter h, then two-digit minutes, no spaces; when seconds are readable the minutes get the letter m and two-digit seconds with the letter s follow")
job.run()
7h03m43s
